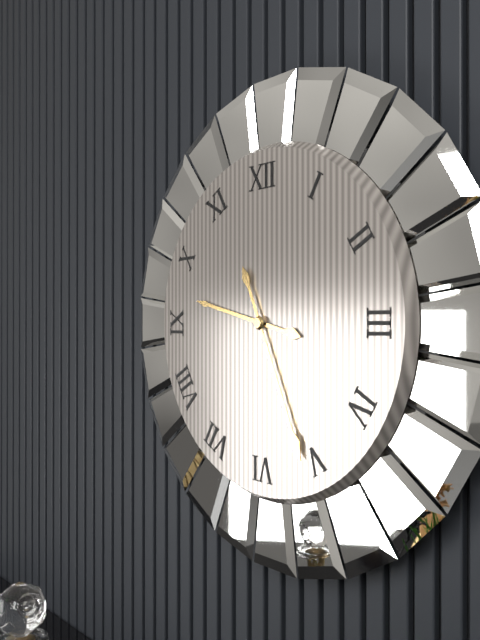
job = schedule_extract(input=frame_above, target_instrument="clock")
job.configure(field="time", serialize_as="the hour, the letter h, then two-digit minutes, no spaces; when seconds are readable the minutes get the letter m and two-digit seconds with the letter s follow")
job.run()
9h26
